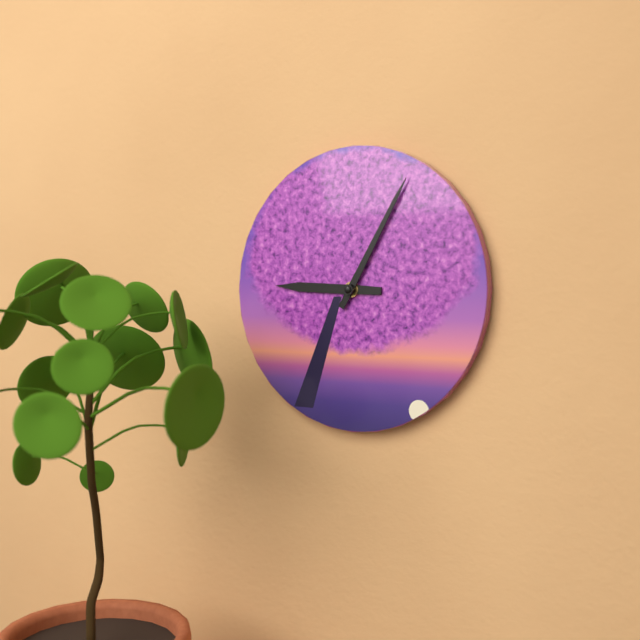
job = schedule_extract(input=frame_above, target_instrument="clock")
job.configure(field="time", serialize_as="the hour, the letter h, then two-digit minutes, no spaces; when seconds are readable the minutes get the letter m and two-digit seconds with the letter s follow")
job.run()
9h05
